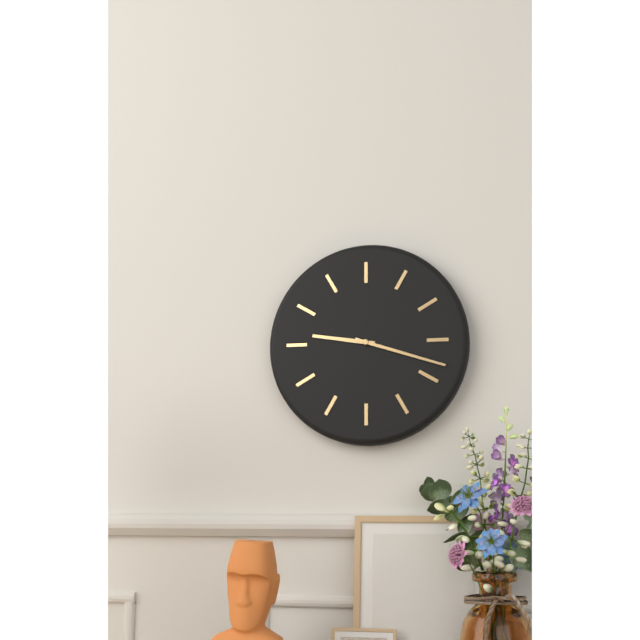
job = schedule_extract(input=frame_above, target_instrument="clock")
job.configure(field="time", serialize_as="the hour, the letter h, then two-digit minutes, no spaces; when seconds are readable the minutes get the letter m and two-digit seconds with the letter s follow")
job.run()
9h18
